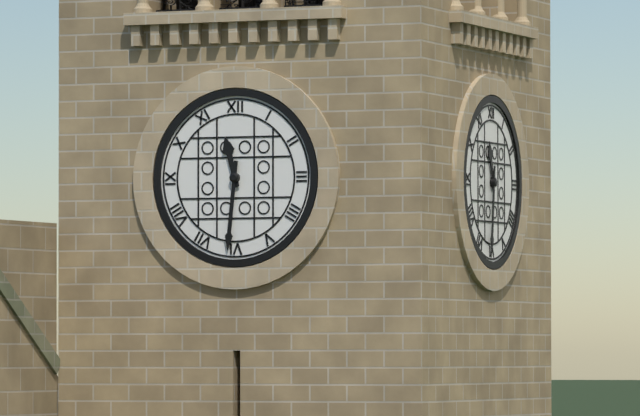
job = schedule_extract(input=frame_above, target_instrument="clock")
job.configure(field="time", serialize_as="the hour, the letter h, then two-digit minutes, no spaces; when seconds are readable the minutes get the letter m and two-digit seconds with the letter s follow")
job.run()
11h31
